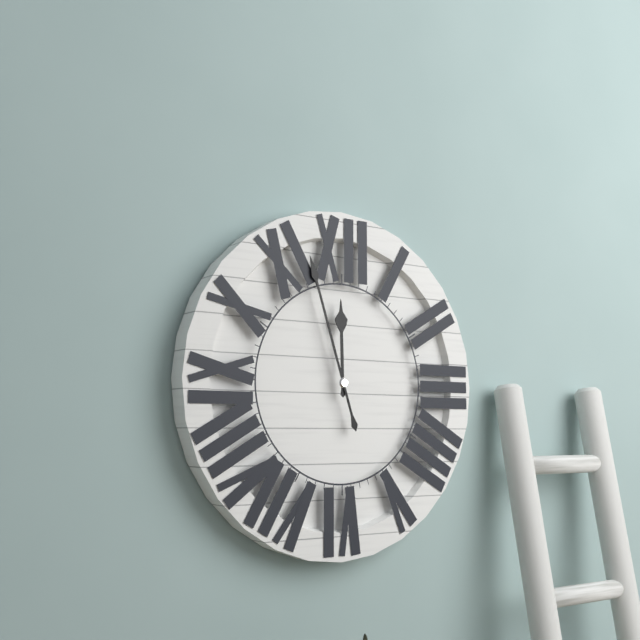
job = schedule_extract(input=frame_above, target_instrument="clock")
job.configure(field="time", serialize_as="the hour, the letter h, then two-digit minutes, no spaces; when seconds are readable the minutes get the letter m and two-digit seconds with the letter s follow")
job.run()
11h57
